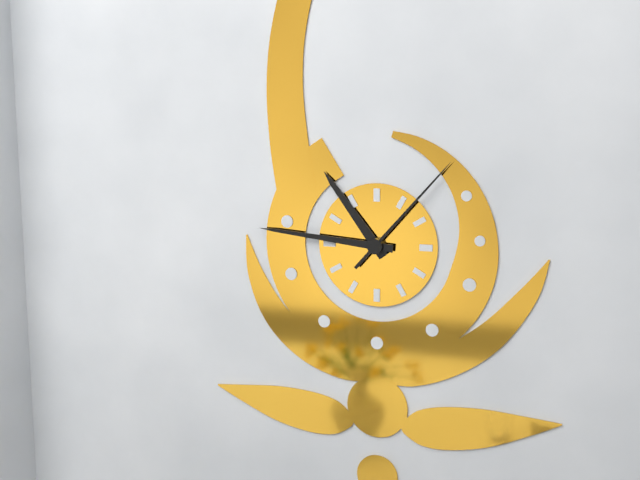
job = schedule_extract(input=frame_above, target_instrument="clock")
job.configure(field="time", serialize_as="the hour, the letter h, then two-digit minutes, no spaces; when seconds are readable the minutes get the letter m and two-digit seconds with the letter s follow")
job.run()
10h46m07s
